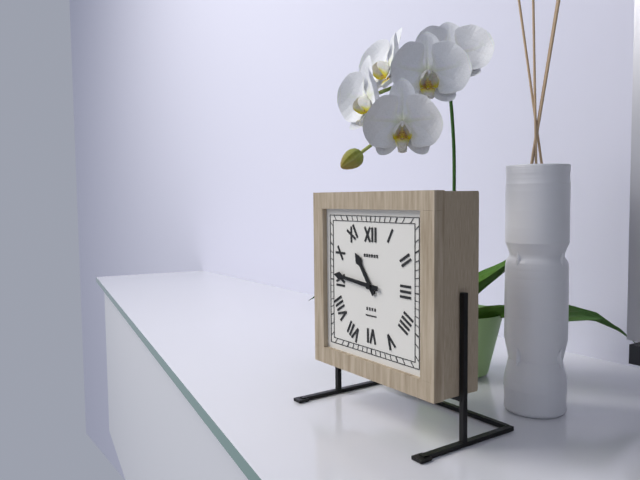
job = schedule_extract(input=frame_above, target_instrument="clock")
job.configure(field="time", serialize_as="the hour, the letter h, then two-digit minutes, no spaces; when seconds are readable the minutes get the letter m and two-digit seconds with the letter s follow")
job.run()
10h46
